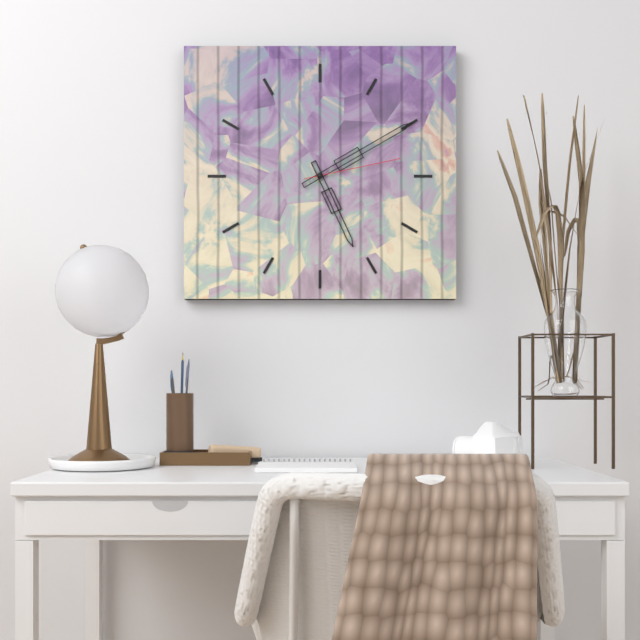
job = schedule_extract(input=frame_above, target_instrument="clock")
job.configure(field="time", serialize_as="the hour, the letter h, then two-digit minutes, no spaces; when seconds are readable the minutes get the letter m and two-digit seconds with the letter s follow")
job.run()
5h10m13s
